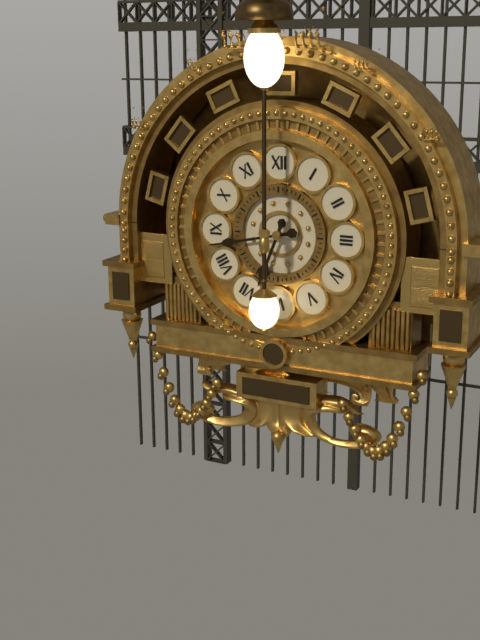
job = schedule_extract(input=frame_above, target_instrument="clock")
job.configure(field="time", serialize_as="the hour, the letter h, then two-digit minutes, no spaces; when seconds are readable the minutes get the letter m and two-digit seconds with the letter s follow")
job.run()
6h43
